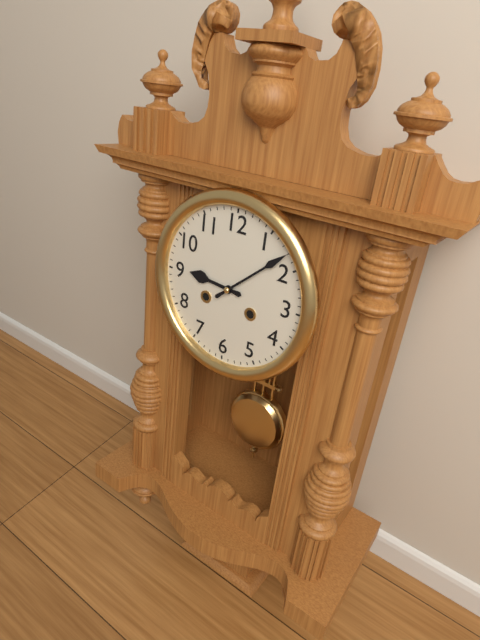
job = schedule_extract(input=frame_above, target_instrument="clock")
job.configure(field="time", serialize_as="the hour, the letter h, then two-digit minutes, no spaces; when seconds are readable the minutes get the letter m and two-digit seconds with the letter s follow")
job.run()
9h08
